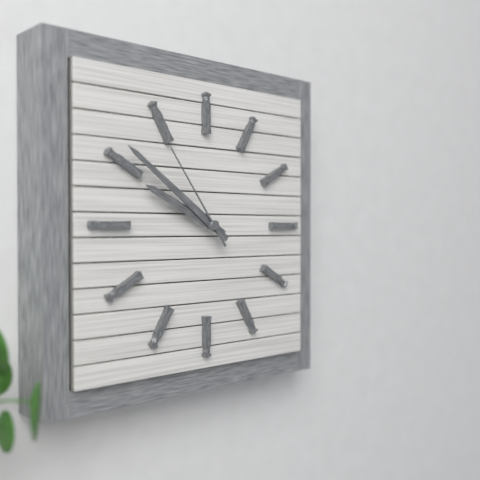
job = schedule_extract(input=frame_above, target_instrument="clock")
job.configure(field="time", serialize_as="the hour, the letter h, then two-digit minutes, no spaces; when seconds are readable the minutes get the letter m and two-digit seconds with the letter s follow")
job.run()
9h51m54s
